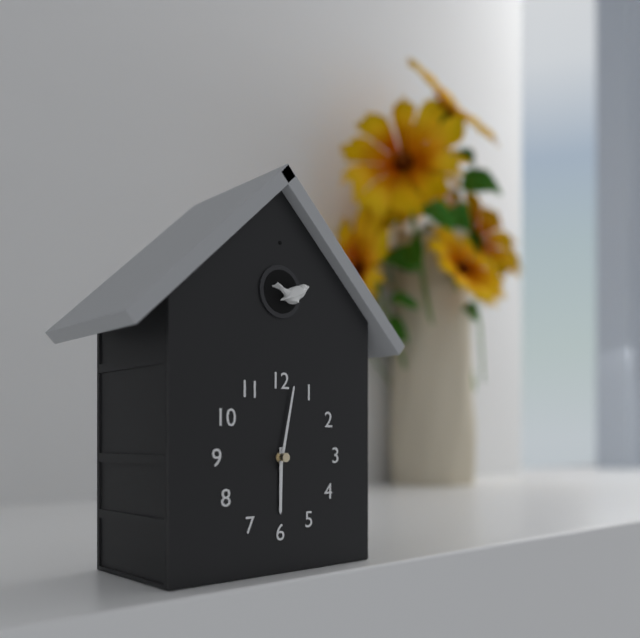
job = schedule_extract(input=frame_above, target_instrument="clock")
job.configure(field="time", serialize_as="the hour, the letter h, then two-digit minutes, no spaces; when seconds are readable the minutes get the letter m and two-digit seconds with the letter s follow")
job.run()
6h02
